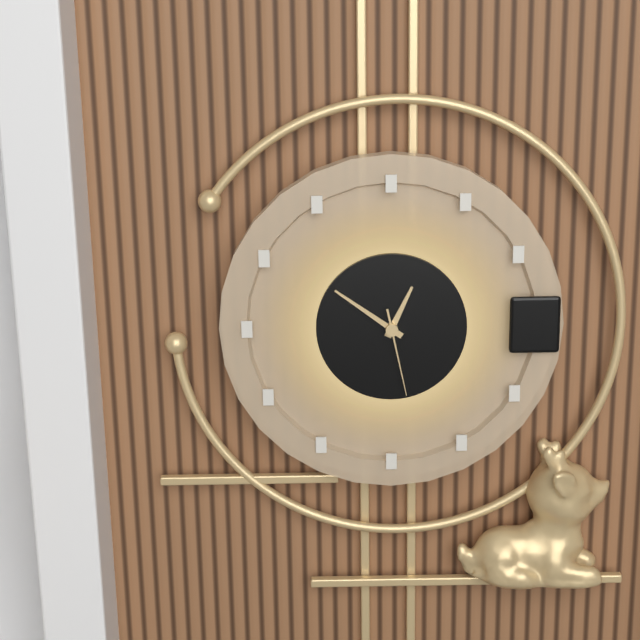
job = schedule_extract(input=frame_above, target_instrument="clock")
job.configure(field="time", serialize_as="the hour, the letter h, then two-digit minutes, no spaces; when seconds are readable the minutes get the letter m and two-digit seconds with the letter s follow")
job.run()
12h51m28s
